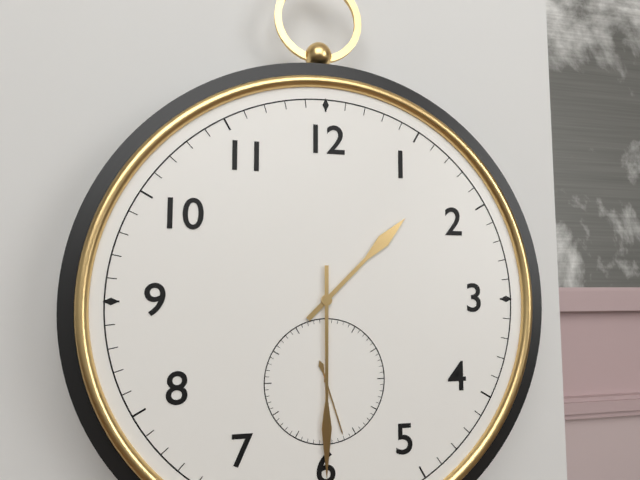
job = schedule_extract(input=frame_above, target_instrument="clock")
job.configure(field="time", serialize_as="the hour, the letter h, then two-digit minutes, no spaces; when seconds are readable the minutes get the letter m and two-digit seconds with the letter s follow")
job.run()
1h30m27s
